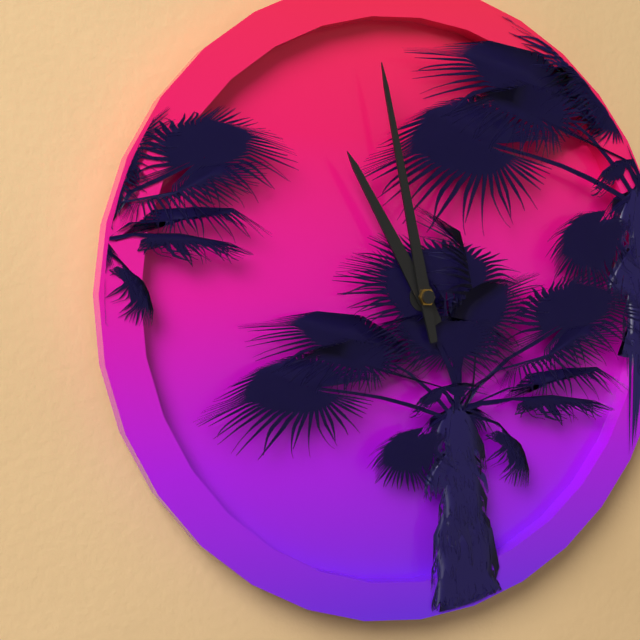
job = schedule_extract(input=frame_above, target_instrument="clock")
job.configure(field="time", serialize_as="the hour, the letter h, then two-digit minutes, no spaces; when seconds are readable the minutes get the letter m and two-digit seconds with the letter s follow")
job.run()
10h58
